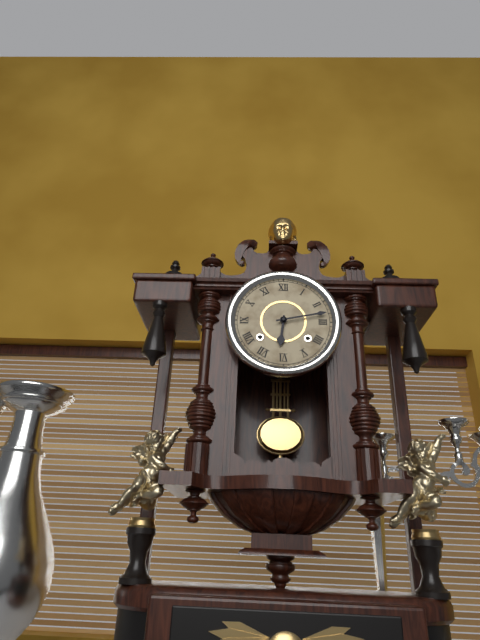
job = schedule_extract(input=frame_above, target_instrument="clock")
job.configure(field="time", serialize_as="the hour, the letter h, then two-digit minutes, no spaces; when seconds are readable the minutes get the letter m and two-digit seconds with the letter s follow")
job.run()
6h13
